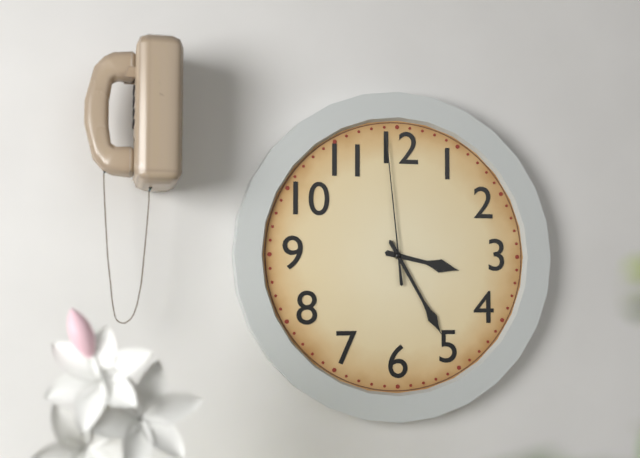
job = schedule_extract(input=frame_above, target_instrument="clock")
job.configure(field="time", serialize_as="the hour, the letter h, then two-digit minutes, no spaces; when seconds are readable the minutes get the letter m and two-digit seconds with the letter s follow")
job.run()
3h25m59s
